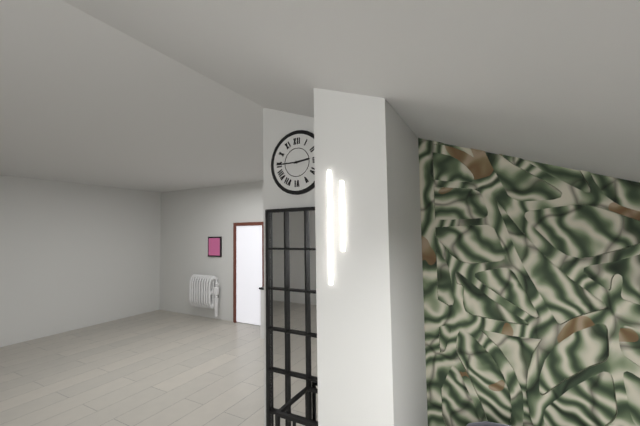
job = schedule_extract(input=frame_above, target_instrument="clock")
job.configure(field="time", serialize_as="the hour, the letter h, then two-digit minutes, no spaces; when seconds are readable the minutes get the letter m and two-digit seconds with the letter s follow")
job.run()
2h45
